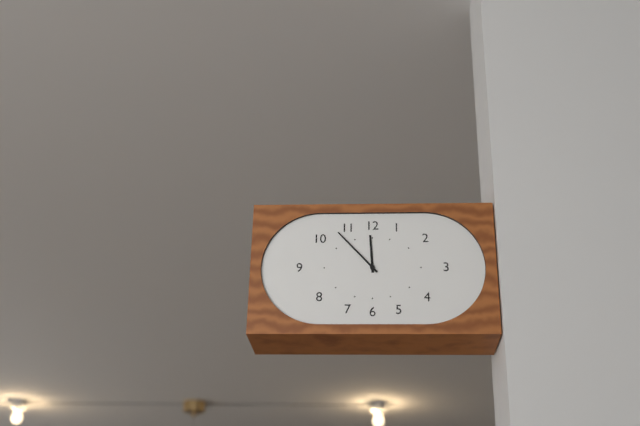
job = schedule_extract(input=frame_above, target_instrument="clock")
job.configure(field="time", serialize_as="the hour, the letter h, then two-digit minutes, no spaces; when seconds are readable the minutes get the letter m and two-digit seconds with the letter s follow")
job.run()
11h53
